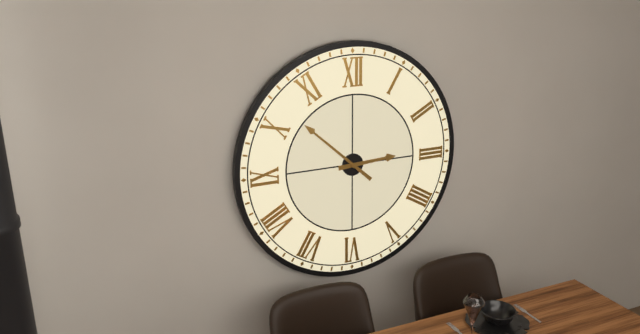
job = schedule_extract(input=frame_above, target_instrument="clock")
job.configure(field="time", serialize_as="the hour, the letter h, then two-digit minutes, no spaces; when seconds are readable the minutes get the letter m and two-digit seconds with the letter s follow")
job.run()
2h52
